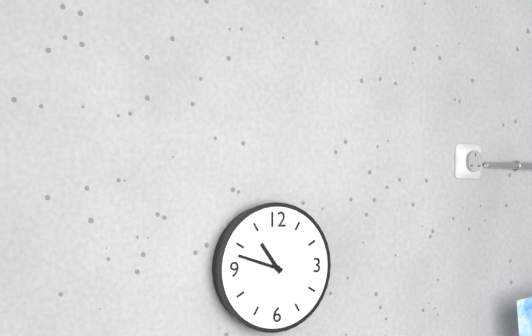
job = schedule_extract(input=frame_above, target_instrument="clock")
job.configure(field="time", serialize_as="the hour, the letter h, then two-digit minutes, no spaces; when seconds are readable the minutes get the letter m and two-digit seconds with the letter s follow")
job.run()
10h48
